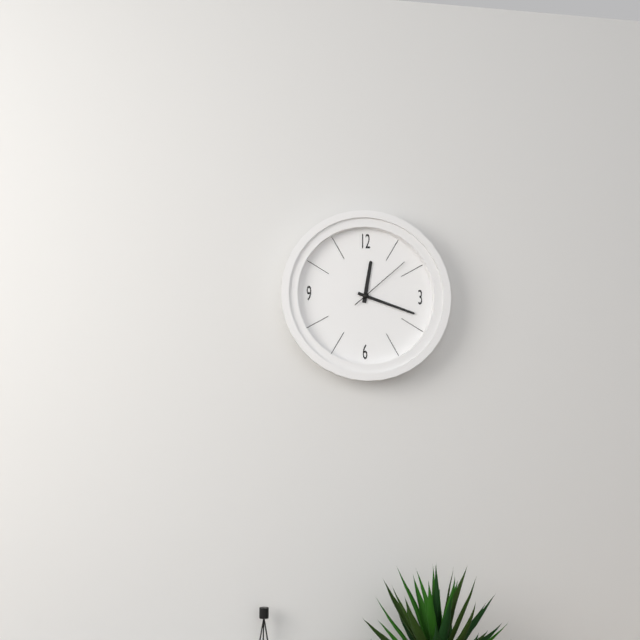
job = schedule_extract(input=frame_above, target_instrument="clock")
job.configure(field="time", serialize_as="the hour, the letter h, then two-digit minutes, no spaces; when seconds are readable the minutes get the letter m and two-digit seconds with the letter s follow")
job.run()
12h18m08s
